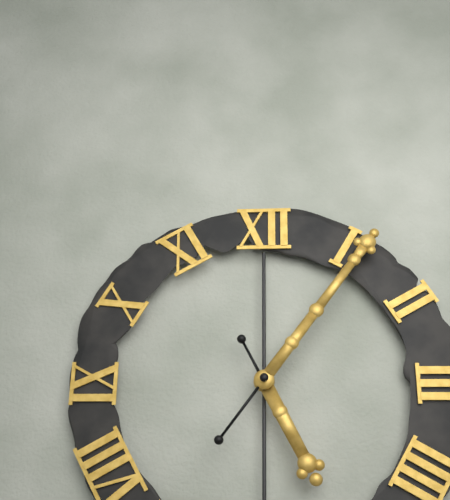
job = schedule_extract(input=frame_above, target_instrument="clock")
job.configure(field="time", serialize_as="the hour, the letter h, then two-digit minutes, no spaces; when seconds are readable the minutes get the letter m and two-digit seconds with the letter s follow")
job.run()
5h06
